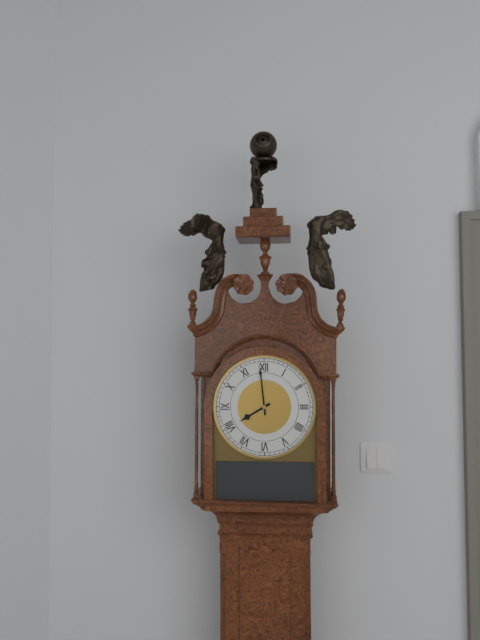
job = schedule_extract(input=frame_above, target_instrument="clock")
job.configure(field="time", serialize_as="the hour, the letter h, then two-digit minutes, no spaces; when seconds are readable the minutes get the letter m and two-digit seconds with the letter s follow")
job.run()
7h59
